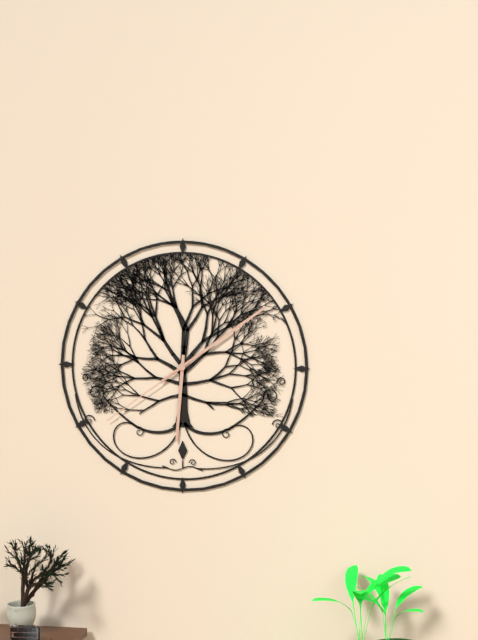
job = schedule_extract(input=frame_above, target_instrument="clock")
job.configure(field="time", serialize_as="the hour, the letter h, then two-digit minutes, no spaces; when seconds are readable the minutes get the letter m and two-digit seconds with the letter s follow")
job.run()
6h09m39s
